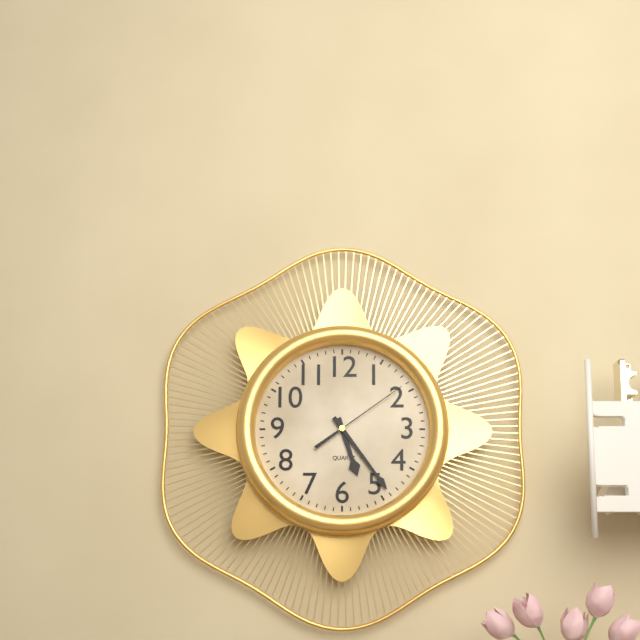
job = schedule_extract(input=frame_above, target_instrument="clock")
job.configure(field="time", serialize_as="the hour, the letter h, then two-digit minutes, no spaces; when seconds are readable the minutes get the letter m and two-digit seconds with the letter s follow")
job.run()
5h24m09s
